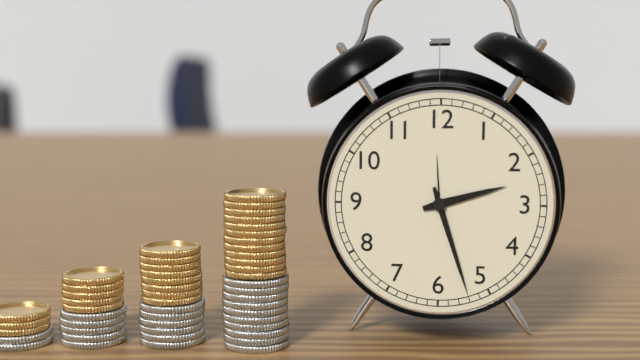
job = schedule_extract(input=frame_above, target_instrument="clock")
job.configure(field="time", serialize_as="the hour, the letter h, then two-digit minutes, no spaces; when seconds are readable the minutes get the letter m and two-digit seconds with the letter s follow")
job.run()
2h27
